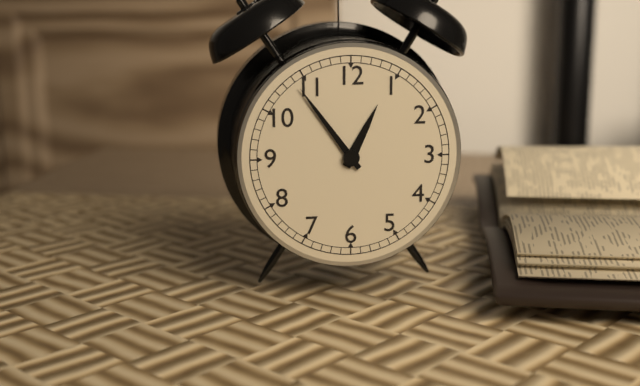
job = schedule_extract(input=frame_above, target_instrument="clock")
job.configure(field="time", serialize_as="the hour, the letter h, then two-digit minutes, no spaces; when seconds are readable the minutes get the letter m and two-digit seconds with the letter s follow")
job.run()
12h54
